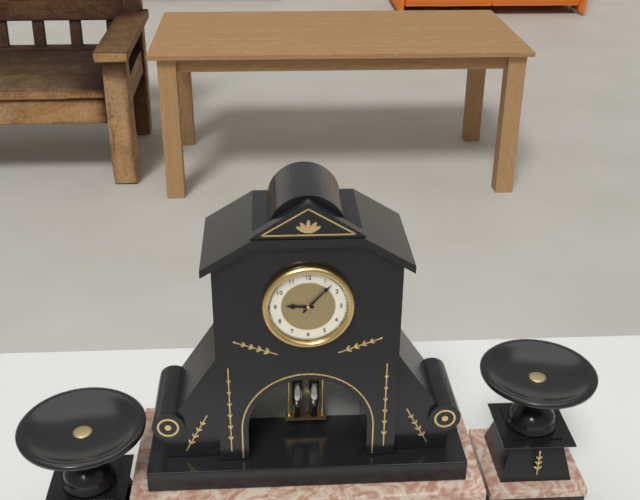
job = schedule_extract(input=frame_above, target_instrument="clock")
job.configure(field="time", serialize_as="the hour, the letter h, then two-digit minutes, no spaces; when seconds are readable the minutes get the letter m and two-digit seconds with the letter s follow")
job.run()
9h07
